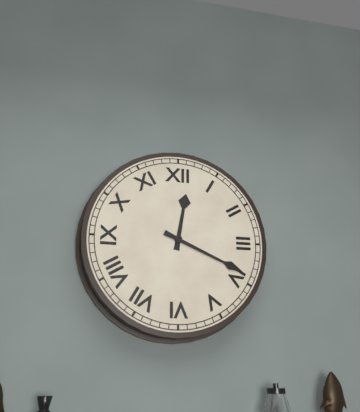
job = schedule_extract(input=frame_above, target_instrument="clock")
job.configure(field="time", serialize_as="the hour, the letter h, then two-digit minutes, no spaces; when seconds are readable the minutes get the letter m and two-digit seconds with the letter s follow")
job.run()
12h19
